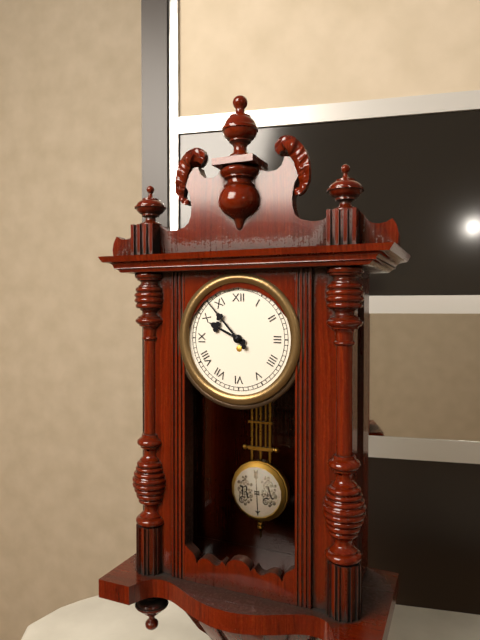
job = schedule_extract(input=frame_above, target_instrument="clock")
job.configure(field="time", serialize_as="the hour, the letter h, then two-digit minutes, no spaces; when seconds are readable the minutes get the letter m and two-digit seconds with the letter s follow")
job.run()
9h53
